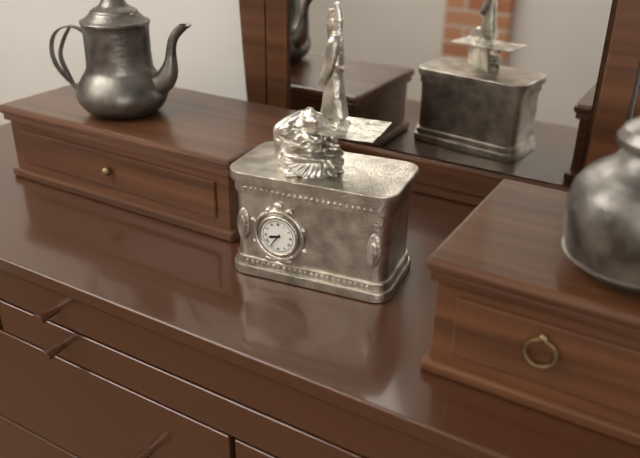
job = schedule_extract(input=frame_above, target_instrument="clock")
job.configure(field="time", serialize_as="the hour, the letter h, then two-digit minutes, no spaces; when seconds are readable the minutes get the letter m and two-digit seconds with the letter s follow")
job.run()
8h36
